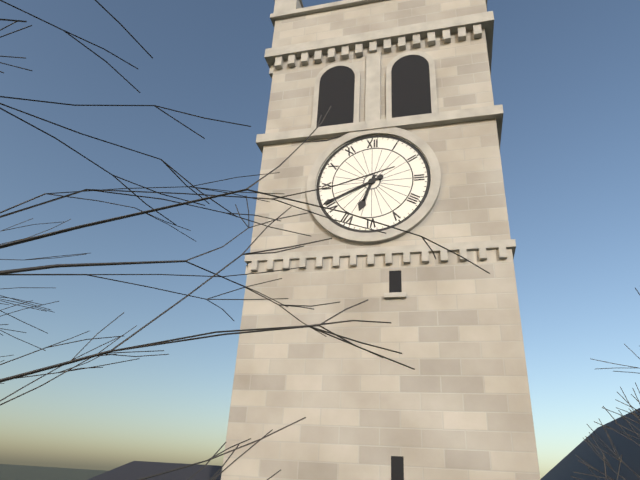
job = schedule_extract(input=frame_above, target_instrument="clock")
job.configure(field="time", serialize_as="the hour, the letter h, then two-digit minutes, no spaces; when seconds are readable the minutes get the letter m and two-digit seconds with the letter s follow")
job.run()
6h41
